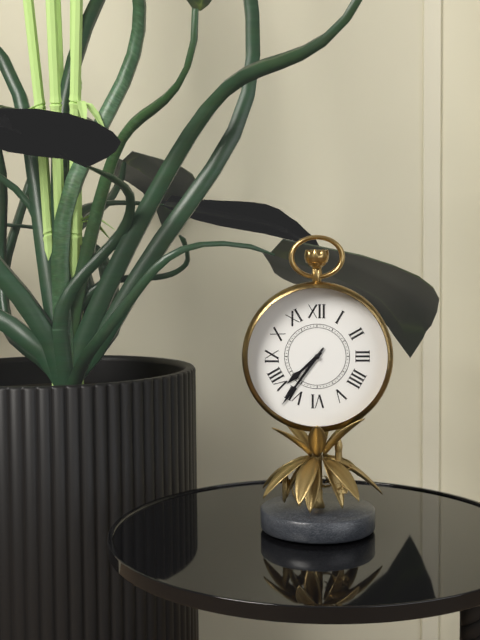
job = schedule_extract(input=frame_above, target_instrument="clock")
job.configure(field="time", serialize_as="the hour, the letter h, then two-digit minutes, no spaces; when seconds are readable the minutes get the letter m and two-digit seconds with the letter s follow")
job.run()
7h36
